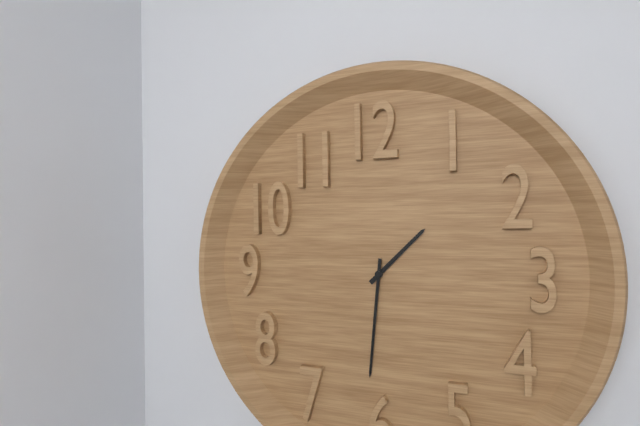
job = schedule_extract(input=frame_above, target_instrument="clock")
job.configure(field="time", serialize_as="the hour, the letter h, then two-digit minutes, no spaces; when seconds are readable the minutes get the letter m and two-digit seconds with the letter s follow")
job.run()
1h31
